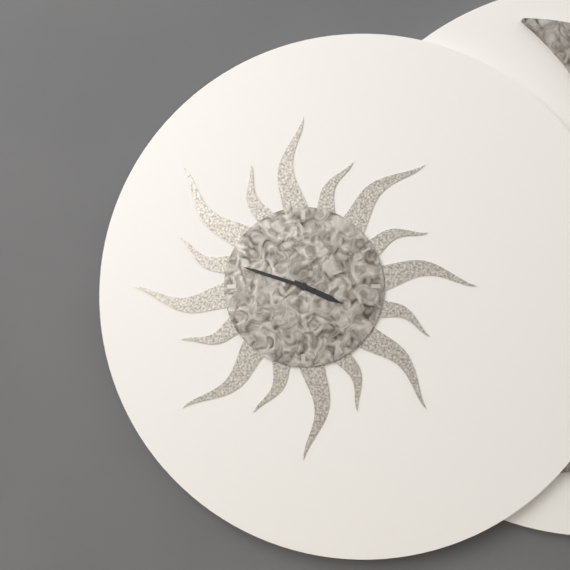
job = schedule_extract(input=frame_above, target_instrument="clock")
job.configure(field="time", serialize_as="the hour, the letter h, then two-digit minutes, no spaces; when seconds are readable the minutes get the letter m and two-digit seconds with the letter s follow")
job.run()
3h48
